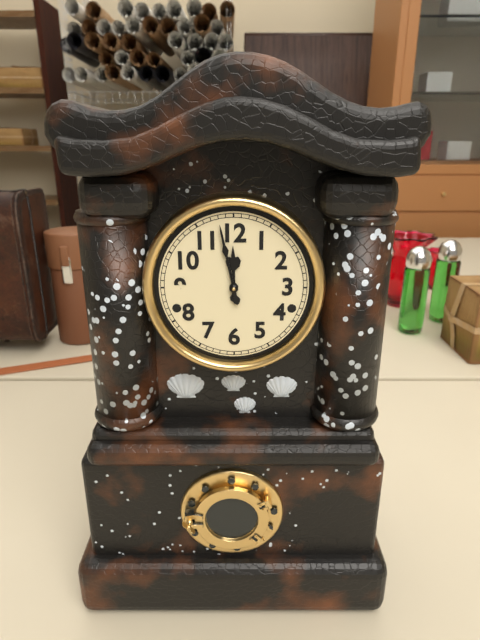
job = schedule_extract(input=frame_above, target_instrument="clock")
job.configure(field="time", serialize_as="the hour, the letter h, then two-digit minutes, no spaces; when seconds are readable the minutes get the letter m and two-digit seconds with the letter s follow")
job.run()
11h58
